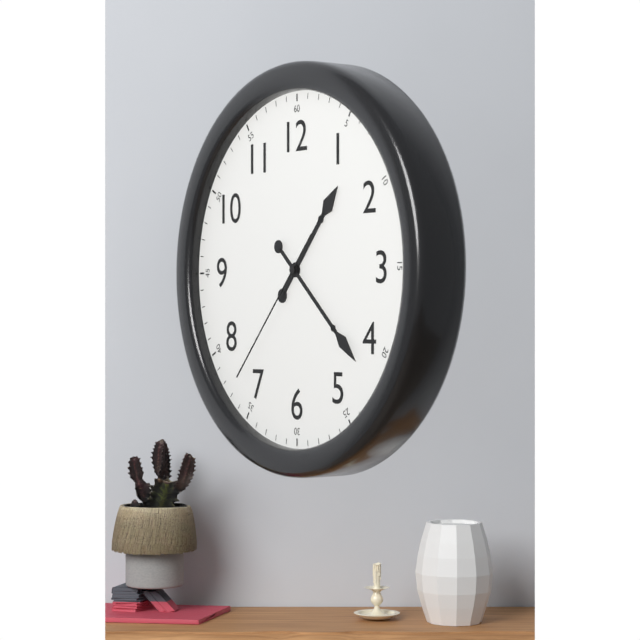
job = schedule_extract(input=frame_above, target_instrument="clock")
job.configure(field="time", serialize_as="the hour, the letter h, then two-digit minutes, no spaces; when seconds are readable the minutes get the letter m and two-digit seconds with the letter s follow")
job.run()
1h22m37s
